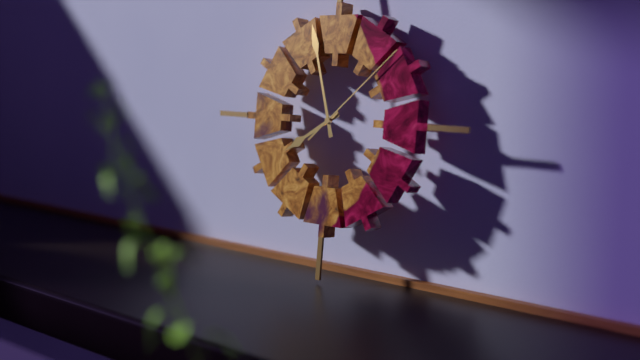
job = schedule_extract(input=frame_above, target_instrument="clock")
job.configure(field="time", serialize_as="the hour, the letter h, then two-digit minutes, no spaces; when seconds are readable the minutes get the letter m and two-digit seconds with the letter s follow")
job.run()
7h57m08s
